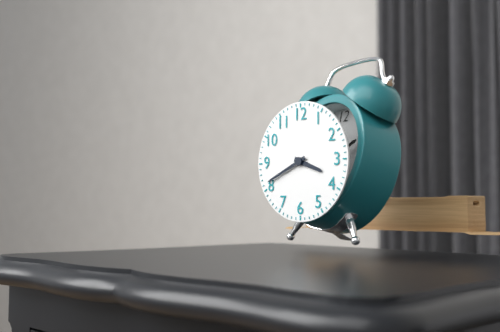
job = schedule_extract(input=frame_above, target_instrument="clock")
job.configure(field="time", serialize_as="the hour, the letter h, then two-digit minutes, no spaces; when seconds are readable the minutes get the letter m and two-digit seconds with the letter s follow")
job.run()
3h41
